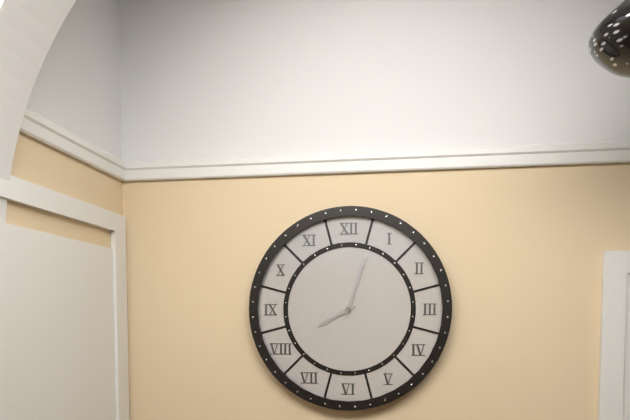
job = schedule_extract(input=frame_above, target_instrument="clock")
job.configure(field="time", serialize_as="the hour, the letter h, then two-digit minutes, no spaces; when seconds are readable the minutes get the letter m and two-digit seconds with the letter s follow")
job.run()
8h03
